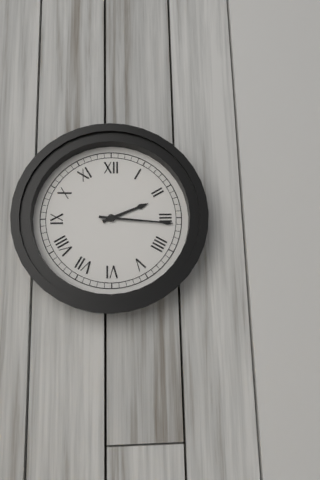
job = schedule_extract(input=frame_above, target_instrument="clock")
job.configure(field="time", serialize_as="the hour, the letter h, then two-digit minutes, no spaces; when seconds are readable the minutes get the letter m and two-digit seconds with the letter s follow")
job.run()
2h16
